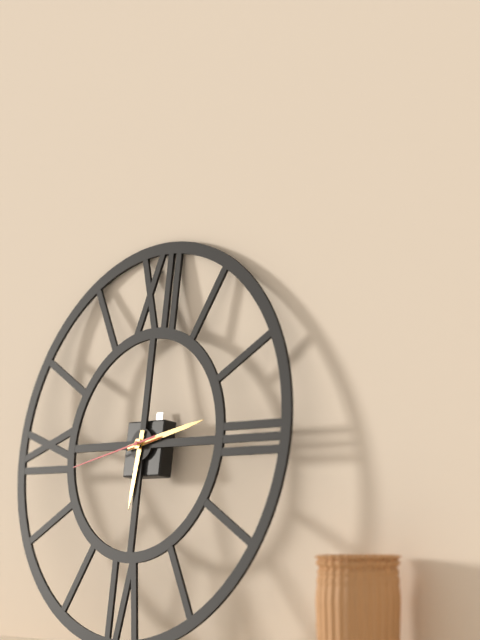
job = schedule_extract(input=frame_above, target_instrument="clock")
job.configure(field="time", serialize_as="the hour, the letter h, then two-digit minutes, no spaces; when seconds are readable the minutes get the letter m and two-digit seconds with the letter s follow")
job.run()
6h13m43s
